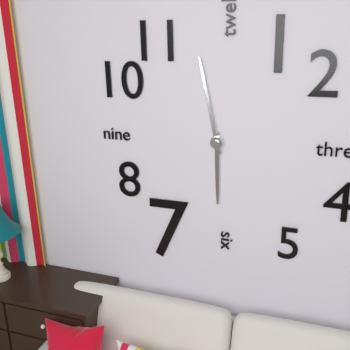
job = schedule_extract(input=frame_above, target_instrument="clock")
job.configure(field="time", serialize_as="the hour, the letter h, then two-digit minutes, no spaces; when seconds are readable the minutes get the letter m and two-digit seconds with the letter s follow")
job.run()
5h58
